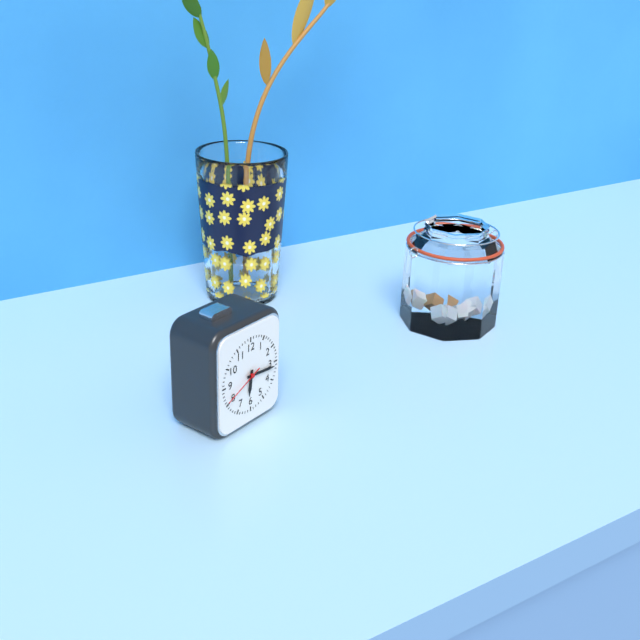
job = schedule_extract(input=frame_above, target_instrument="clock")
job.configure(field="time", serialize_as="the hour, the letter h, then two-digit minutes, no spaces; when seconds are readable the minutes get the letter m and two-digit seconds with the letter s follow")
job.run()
6h16
